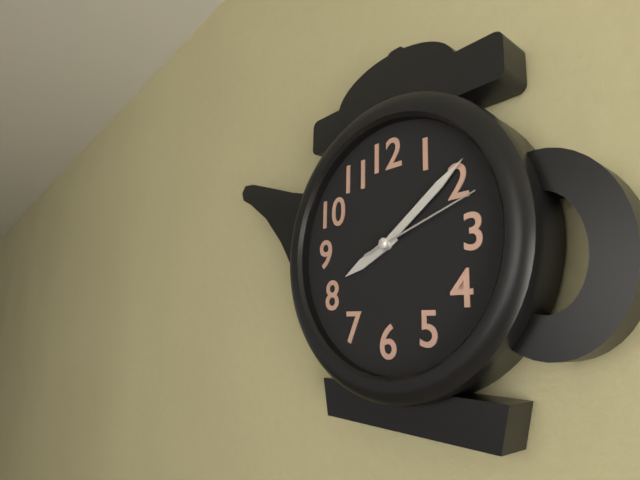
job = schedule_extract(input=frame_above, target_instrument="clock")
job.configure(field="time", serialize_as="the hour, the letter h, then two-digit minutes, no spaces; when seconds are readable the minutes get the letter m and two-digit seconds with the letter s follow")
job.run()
8h09m12s
